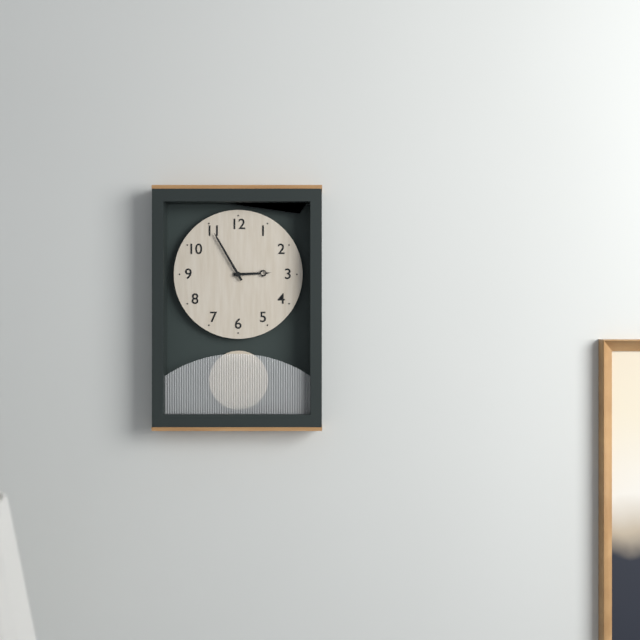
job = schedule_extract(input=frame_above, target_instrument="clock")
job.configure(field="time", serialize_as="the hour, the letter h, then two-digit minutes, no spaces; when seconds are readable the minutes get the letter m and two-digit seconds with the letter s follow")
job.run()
2h55
